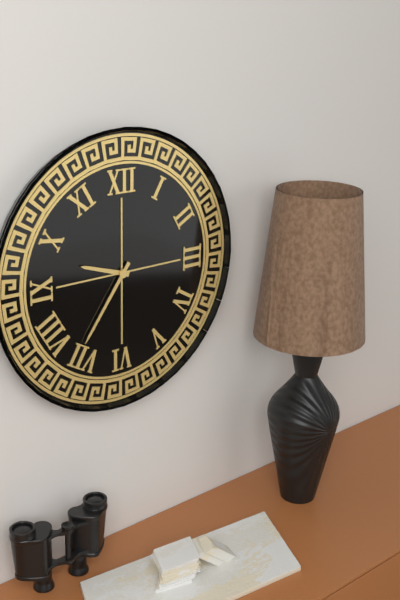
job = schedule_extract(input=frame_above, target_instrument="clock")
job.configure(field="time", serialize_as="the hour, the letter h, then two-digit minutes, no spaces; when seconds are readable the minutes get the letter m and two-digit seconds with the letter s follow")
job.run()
9h36
